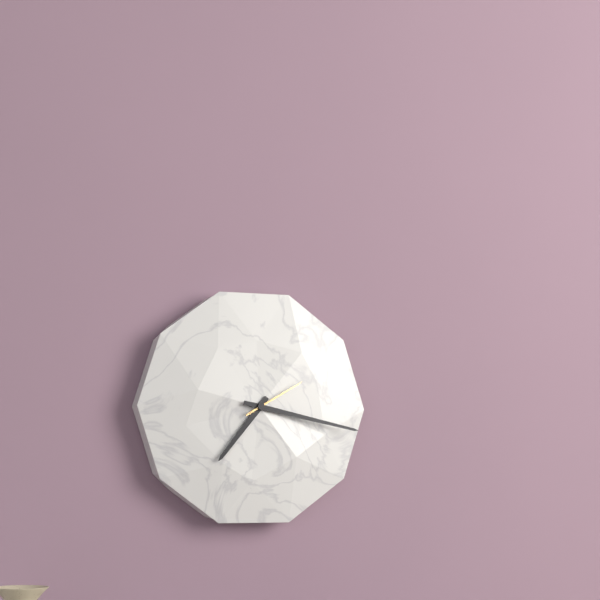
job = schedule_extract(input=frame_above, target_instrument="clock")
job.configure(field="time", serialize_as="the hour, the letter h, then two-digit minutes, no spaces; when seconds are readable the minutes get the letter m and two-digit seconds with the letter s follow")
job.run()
7h17m10s
